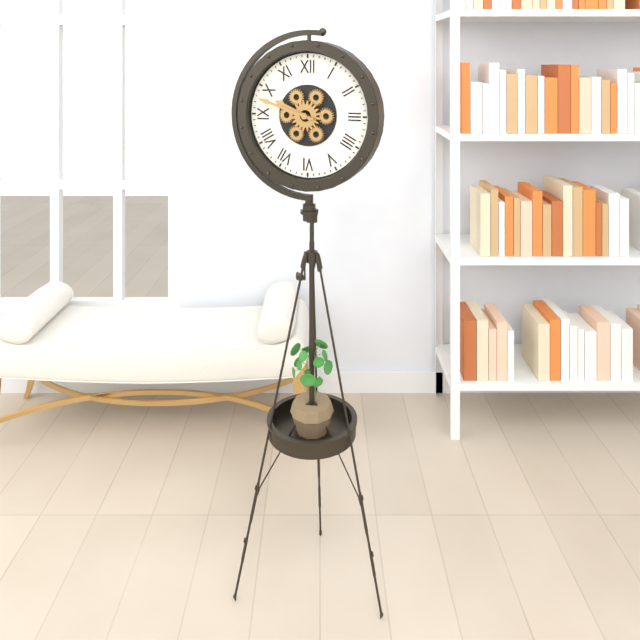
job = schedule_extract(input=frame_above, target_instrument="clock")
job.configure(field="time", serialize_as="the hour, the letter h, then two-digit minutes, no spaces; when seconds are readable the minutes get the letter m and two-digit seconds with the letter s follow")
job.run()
9h48
